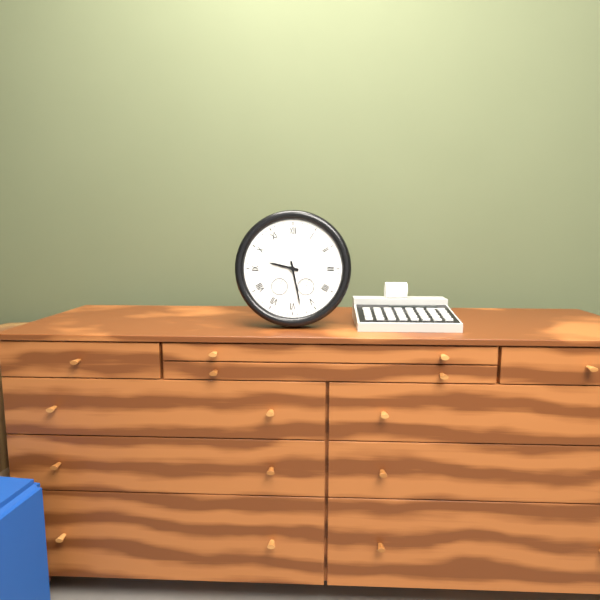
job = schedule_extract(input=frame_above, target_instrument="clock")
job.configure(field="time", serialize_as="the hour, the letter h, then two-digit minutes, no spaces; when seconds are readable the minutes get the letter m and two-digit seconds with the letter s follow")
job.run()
9h28
